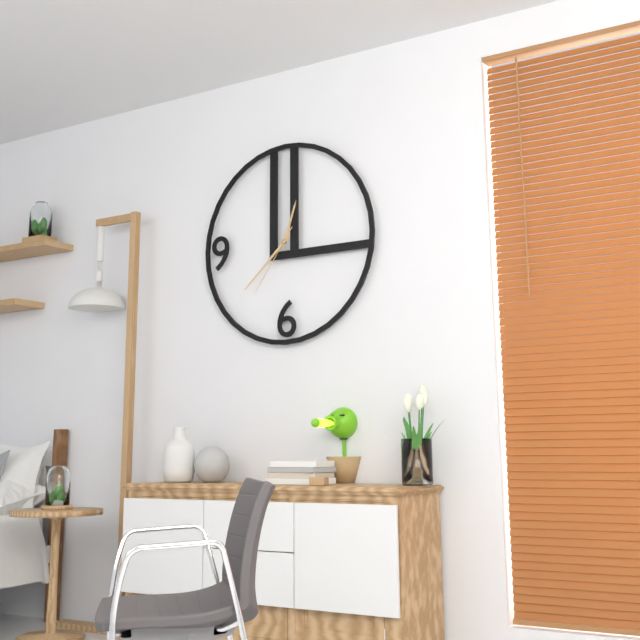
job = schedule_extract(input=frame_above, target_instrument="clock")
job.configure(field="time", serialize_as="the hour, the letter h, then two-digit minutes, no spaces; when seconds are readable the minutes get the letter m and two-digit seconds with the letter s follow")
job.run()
12h38m36s
